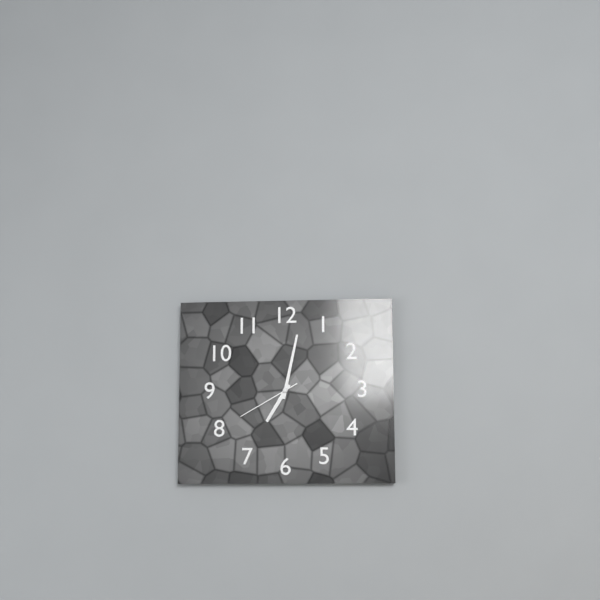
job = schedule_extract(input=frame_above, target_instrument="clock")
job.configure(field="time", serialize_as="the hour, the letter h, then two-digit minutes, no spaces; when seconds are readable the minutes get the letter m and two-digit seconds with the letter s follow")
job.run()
7h02m40s
